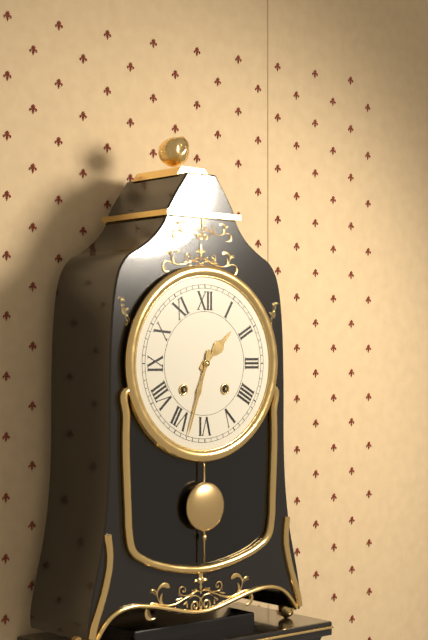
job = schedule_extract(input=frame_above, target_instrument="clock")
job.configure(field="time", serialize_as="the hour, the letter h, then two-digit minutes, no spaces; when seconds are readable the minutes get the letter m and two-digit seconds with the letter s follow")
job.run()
1h33
